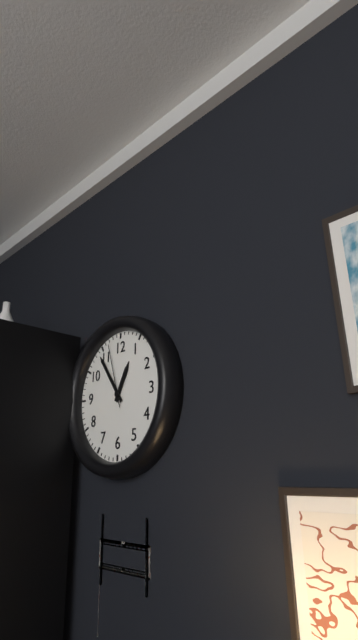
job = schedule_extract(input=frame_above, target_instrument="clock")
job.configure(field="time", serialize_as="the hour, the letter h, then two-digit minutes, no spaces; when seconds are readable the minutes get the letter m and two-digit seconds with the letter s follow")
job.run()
12h54m57s
